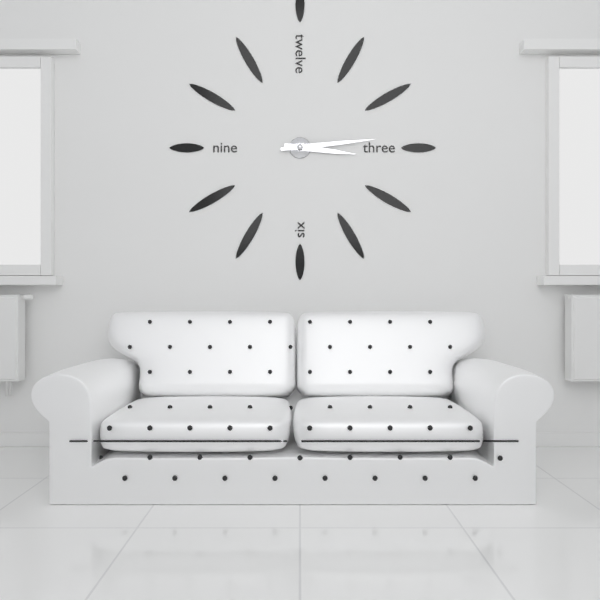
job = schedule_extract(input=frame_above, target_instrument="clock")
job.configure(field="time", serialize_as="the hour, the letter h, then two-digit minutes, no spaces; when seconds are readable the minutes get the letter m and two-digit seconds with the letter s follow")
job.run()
3h14
